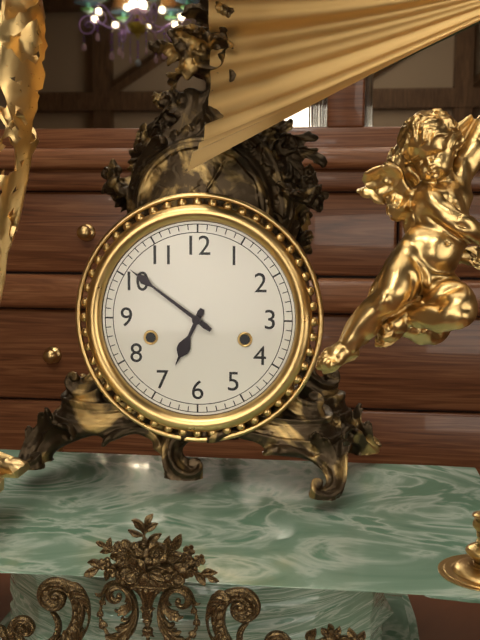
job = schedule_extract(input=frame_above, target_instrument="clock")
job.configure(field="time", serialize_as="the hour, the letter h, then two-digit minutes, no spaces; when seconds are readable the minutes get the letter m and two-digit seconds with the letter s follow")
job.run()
6h51
